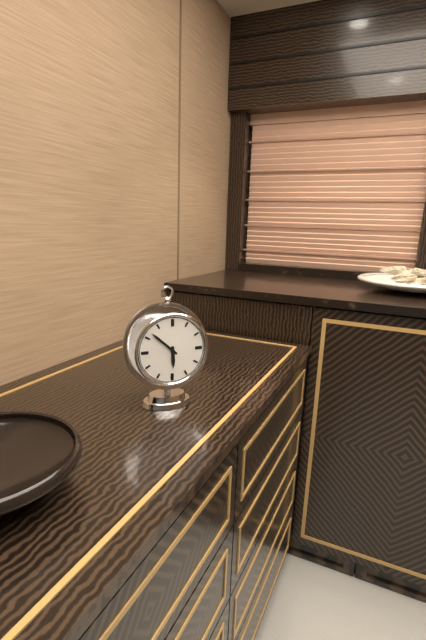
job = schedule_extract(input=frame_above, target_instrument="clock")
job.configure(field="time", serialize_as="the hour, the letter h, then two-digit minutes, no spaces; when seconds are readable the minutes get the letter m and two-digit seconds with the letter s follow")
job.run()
5h52
